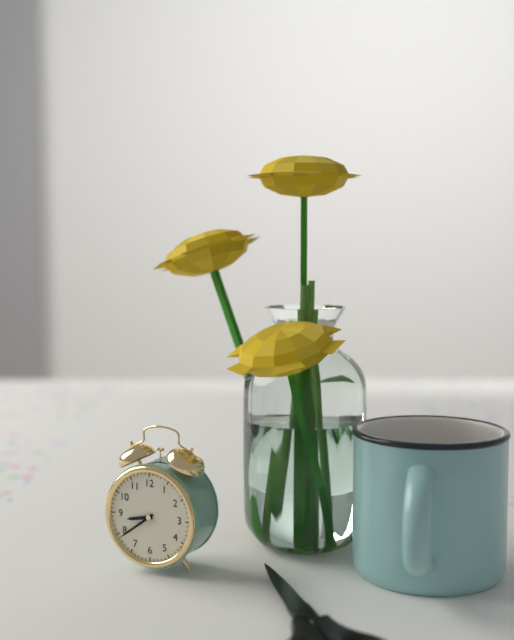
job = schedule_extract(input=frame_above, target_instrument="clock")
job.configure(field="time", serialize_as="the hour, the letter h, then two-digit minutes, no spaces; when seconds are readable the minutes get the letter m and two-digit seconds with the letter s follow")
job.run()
8h39
